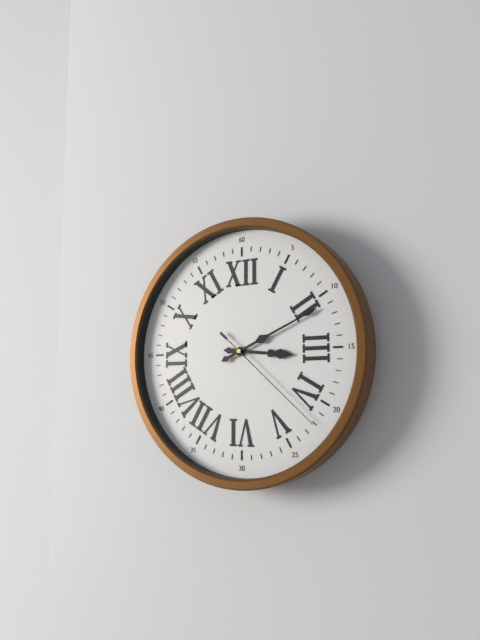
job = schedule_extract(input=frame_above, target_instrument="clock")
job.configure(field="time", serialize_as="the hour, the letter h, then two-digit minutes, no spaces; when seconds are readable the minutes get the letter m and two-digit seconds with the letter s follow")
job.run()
3h11m22s
